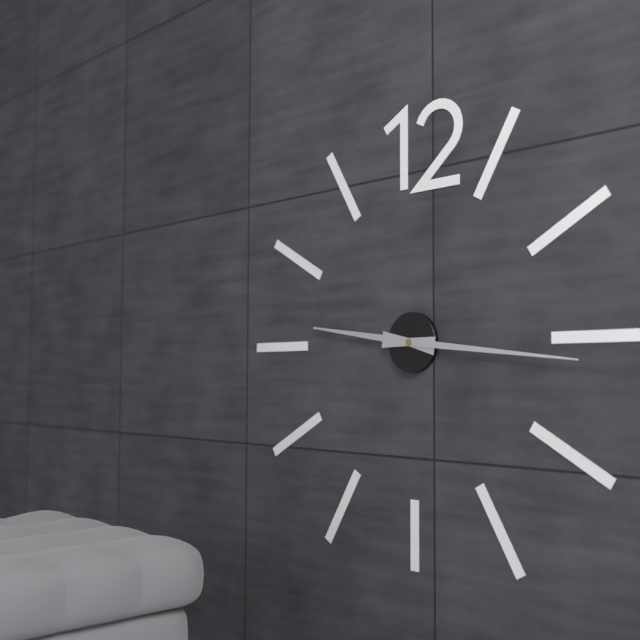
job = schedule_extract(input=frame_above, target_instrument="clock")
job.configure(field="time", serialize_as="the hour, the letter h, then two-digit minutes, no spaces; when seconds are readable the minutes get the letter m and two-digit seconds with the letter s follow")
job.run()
9h16
